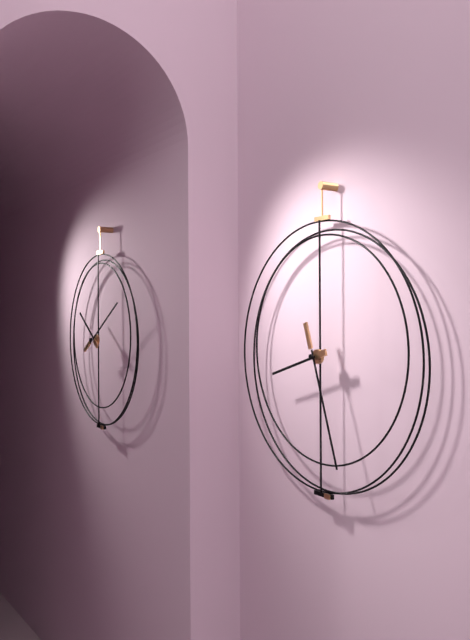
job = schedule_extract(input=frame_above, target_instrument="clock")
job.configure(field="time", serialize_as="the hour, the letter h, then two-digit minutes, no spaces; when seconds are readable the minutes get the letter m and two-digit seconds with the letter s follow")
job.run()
8h27
